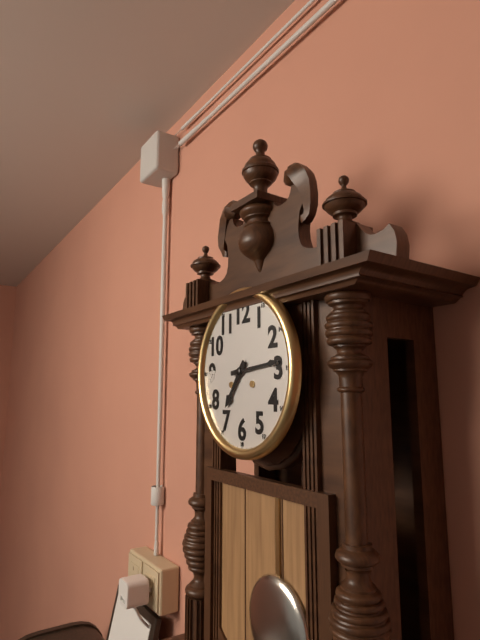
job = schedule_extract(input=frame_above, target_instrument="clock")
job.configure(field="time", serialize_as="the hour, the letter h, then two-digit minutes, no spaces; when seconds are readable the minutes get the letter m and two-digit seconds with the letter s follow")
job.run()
7h14
